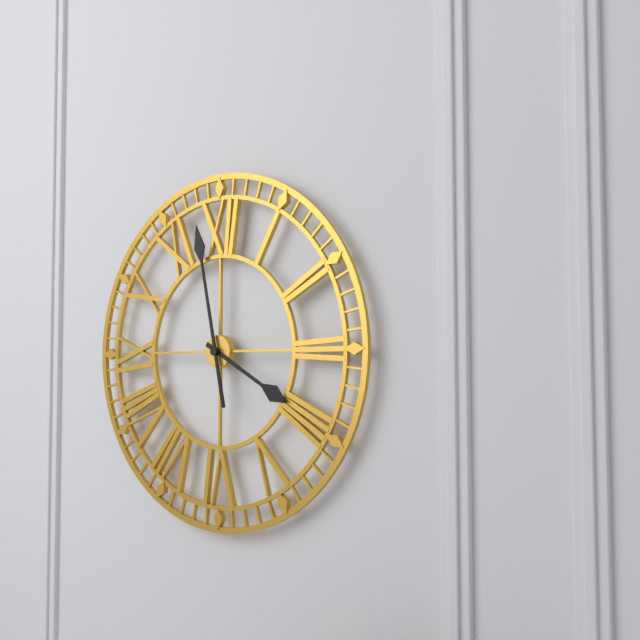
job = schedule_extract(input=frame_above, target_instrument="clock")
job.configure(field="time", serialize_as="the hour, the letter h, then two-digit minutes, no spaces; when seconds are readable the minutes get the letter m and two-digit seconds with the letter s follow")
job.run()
3h58
